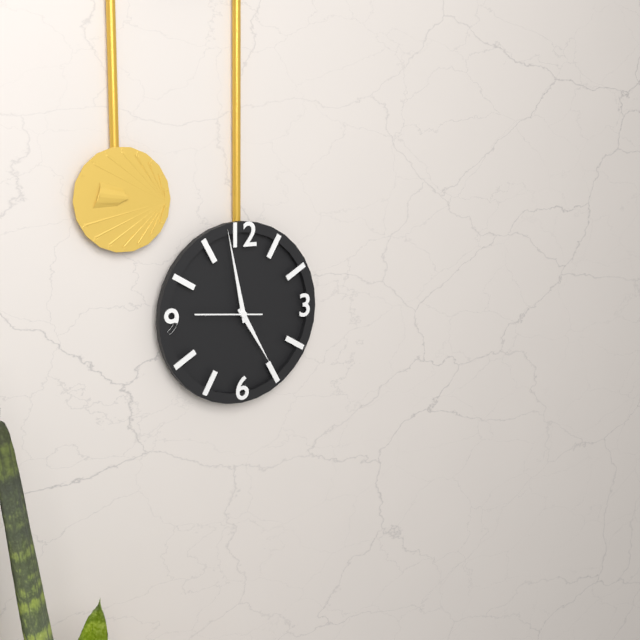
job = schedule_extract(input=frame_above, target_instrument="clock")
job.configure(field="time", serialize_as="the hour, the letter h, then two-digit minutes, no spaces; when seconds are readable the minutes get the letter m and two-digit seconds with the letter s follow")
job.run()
4h58
